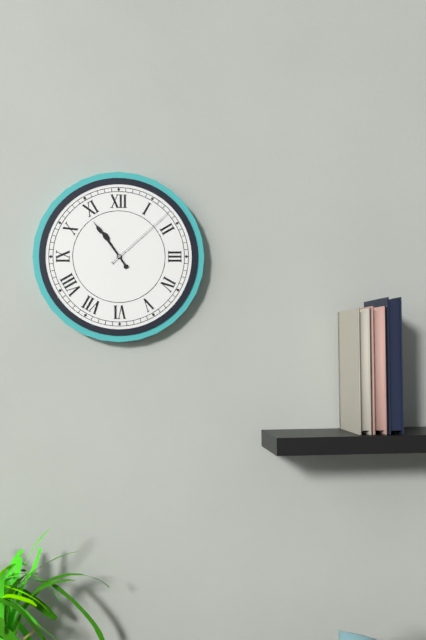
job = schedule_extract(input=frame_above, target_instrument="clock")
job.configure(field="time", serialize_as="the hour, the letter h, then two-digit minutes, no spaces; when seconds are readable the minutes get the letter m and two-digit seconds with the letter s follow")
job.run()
10h54m08s
